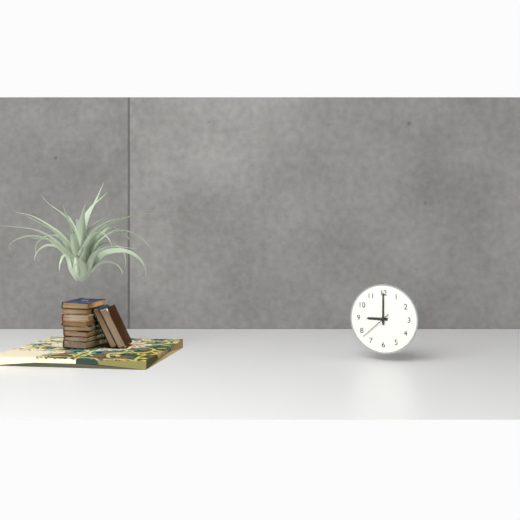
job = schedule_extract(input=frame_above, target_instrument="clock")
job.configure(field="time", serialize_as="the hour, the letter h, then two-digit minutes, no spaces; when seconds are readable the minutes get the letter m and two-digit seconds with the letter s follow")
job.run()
9h00
